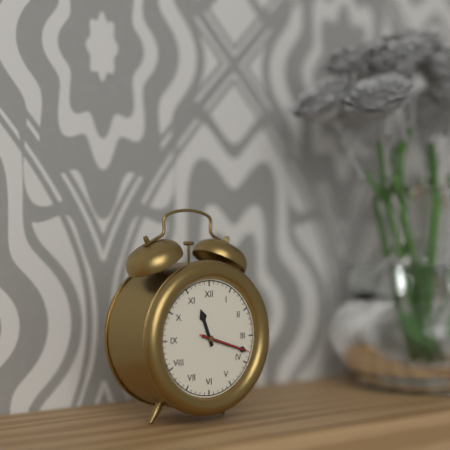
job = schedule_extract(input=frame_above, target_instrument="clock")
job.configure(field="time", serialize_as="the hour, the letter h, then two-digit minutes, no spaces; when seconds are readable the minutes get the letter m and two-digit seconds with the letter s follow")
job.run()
11h18m18s
